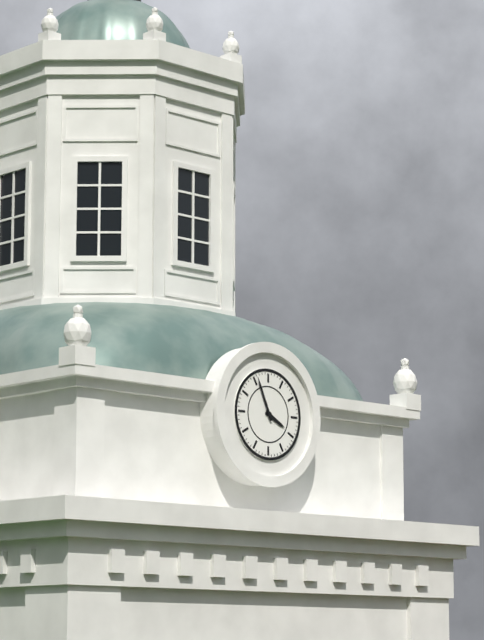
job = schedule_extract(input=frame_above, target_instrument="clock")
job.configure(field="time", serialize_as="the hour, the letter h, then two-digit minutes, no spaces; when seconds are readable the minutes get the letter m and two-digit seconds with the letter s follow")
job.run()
3h56
